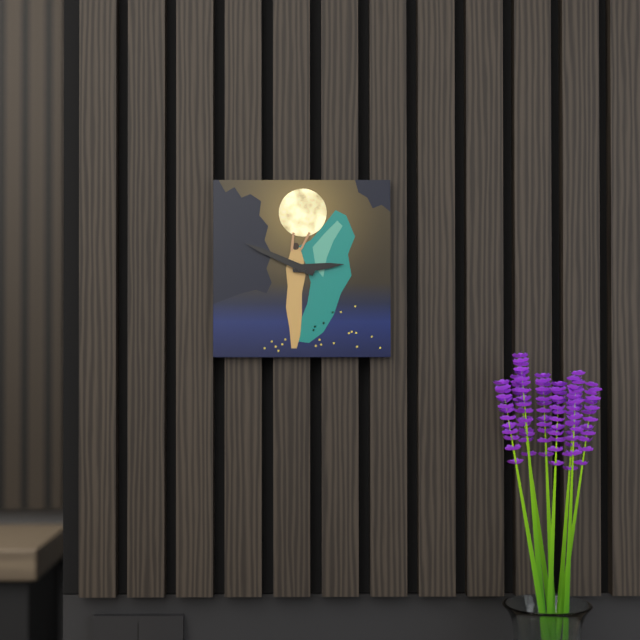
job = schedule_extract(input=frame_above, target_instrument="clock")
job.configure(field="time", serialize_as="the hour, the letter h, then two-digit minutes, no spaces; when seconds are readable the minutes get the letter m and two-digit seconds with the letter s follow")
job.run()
2h49
